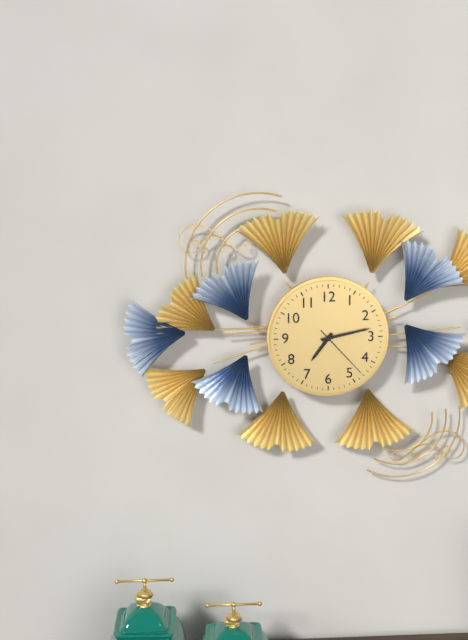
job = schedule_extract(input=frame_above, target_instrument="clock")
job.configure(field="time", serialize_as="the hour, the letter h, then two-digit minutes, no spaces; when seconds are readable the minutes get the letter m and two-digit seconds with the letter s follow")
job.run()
7h13m23s
